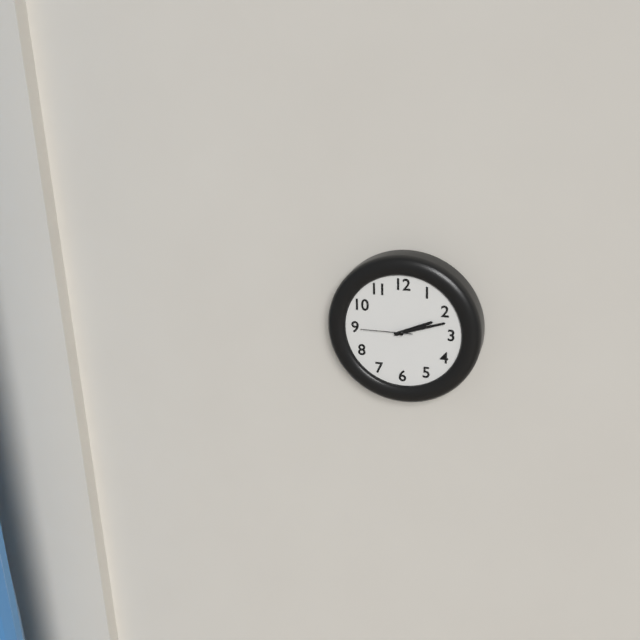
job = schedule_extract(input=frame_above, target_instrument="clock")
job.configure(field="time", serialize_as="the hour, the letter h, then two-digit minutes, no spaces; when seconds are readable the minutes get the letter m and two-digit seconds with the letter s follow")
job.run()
2h12m45s
